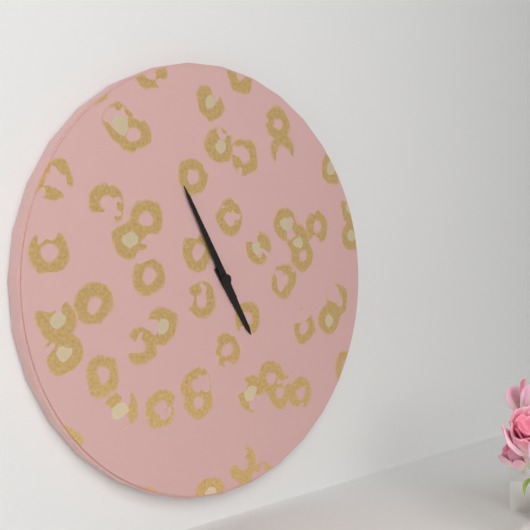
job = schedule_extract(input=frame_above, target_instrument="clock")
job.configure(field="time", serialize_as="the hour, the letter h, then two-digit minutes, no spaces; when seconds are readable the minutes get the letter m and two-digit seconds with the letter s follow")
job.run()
4h55
